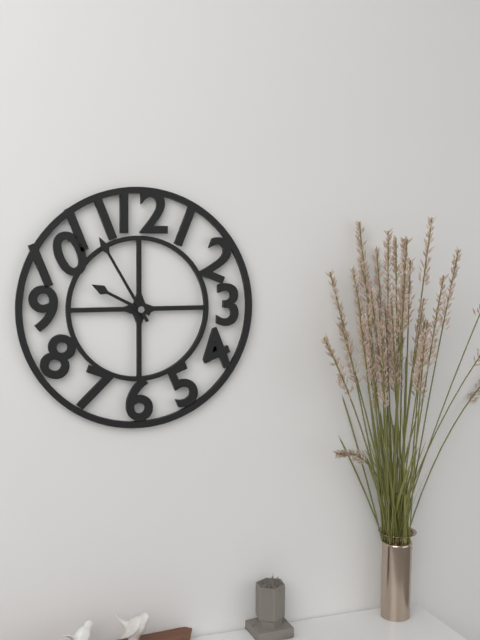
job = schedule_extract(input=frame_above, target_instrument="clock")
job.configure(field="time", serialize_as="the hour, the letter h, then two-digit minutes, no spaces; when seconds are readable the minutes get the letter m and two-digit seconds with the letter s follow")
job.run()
9h55
